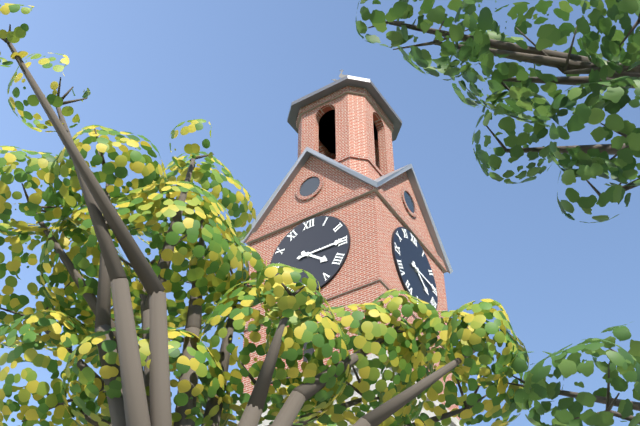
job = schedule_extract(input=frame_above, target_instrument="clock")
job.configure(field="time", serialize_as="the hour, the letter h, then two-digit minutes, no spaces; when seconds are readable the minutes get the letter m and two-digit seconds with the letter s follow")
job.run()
4h15
